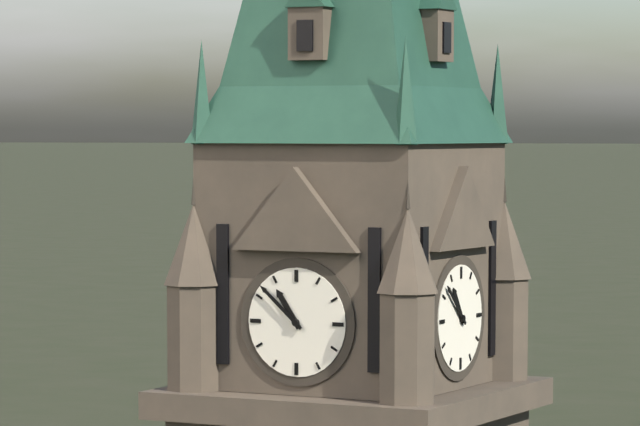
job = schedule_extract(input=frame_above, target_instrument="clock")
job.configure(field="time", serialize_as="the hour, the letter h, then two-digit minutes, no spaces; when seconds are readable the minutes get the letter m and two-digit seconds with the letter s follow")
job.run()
10h52
